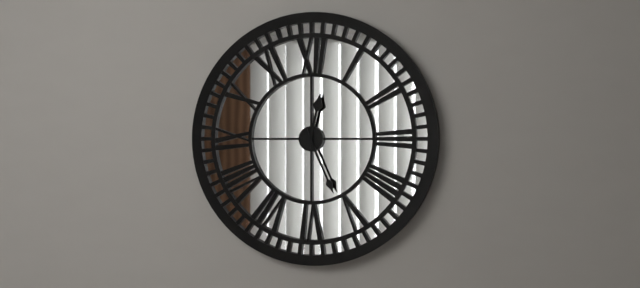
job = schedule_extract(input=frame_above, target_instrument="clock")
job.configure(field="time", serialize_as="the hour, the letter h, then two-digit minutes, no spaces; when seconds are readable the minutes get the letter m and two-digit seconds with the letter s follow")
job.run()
12h26
